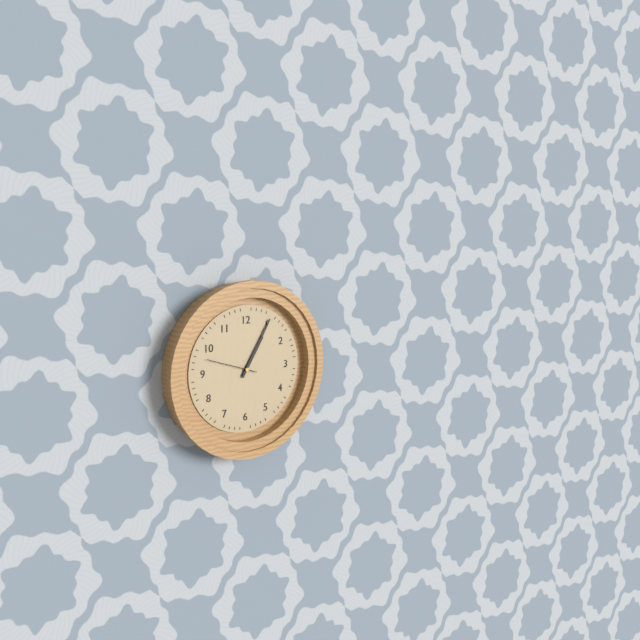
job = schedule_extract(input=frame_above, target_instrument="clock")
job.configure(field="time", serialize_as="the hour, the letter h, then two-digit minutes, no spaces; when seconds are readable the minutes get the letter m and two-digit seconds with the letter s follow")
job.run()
1h05
